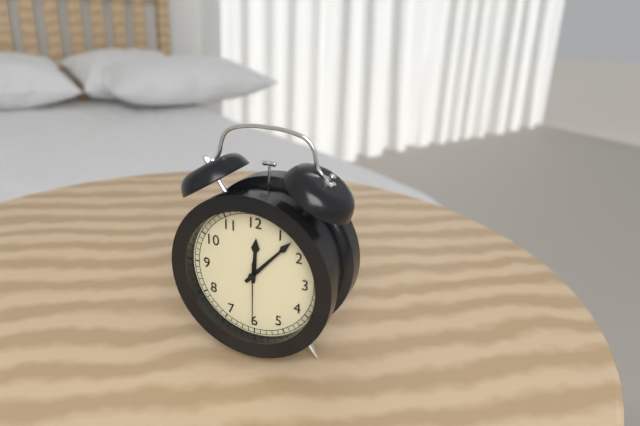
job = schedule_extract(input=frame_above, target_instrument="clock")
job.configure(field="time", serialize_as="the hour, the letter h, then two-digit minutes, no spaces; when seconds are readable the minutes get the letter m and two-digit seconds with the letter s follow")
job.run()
12h07m30s
